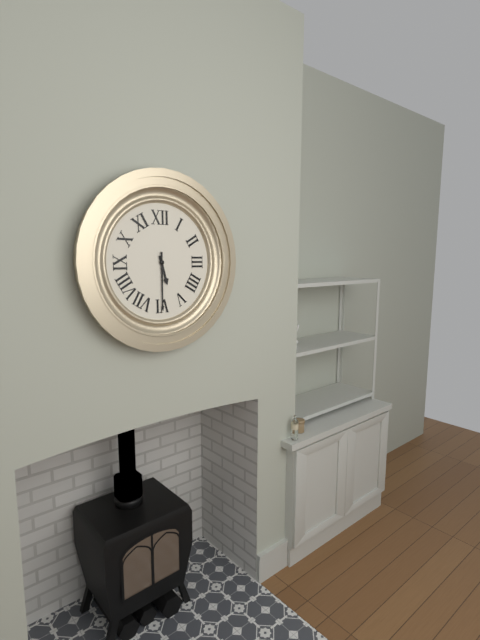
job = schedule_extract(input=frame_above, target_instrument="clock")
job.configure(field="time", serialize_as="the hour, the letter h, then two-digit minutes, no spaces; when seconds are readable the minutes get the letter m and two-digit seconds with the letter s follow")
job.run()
5h30
